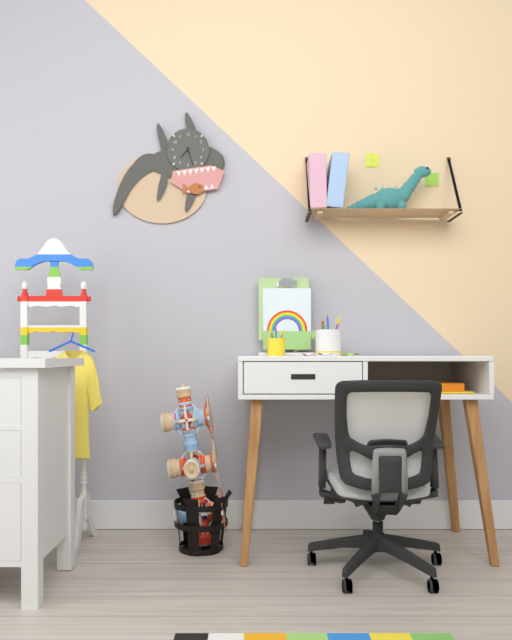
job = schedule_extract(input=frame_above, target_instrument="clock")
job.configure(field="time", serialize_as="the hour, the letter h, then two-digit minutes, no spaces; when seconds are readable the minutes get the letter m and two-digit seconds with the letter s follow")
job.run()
7h27
